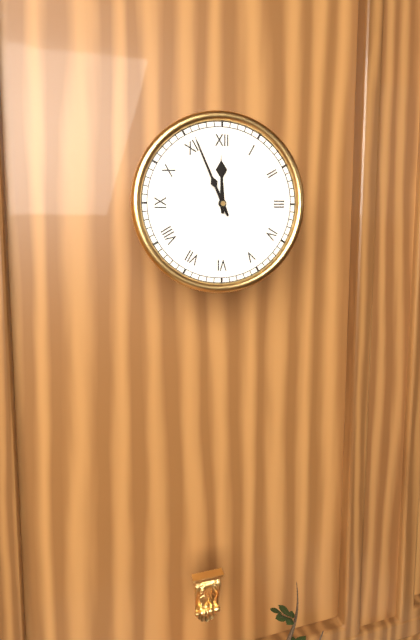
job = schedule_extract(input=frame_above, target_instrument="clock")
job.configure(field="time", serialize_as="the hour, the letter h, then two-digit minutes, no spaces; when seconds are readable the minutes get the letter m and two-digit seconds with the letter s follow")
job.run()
11h56
